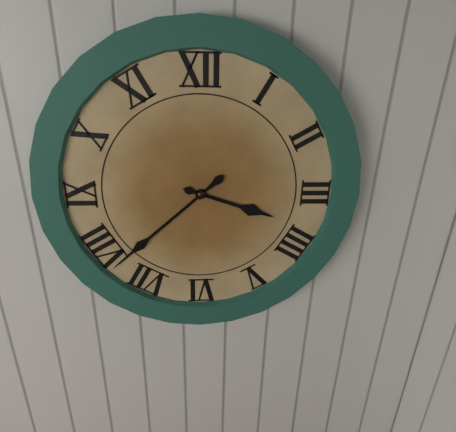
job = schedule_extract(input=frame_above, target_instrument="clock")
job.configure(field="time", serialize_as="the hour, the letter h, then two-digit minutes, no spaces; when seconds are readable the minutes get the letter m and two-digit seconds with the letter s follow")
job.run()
3h38
